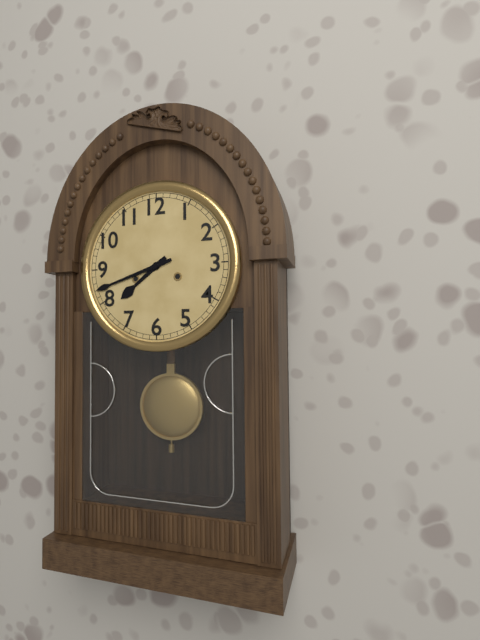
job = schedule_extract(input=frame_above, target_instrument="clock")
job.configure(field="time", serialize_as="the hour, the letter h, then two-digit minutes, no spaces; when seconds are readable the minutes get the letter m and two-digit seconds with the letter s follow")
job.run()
7h42
